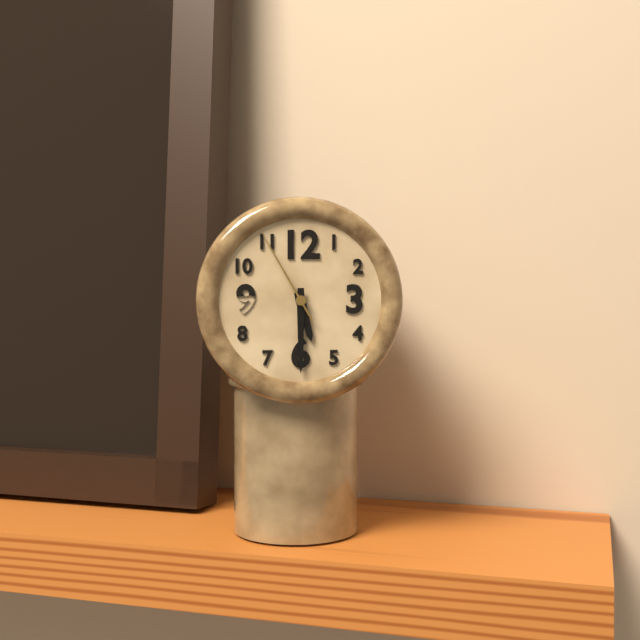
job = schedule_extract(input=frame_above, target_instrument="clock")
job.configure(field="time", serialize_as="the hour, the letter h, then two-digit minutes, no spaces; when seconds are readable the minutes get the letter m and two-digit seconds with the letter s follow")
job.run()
5h30m55s
